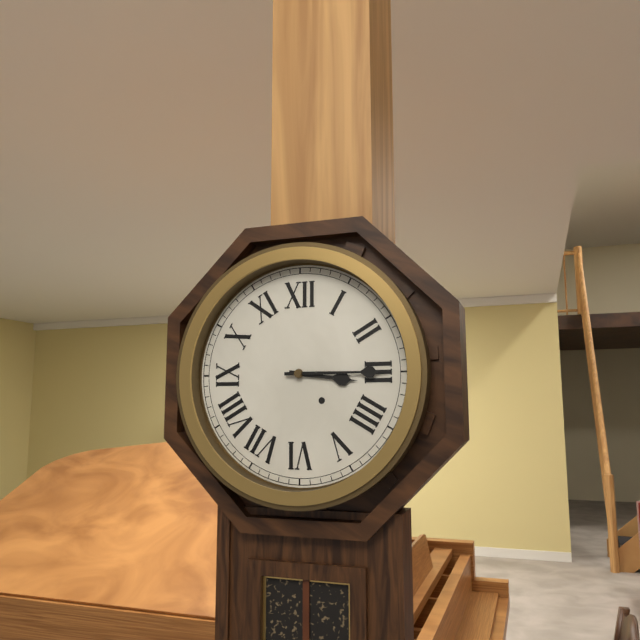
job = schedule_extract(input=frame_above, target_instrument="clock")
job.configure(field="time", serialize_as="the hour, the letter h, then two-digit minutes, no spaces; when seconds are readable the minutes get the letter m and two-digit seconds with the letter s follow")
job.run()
3h15
